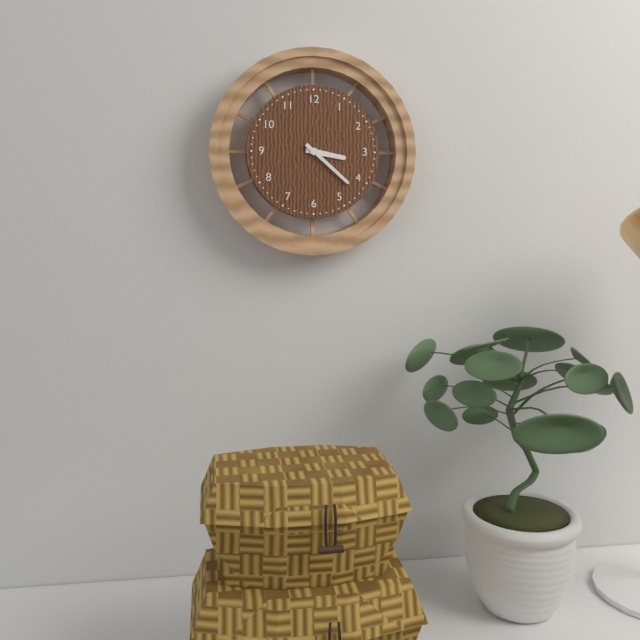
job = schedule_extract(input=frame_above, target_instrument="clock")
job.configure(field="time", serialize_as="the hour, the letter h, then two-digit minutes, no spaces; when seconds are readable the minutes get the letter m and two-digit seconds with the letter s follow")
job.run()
3h22
